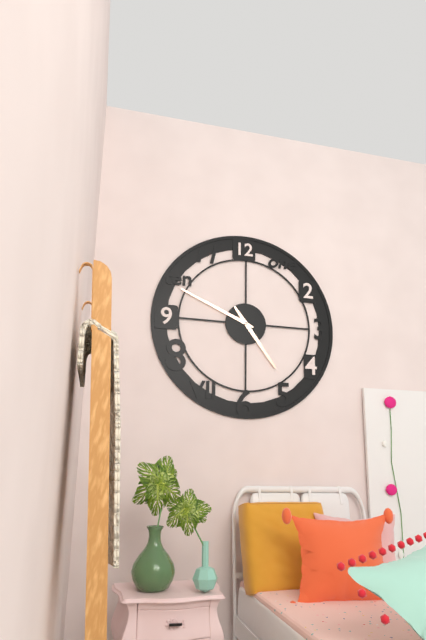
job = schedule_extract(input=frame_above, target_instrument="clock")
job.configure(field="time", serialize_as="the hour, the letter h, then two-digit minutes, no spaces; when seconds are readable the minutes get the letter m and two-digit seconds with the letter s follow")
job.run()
4h49
